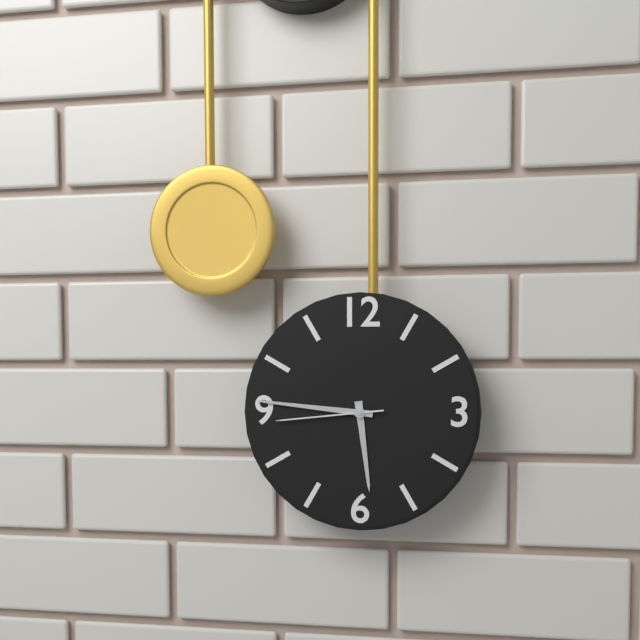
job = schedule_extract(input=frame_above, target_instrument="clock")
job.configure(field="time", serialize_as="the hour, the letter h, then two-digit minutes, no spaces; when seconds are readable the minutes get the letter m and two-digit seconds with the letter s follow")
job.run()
5h46m44s
